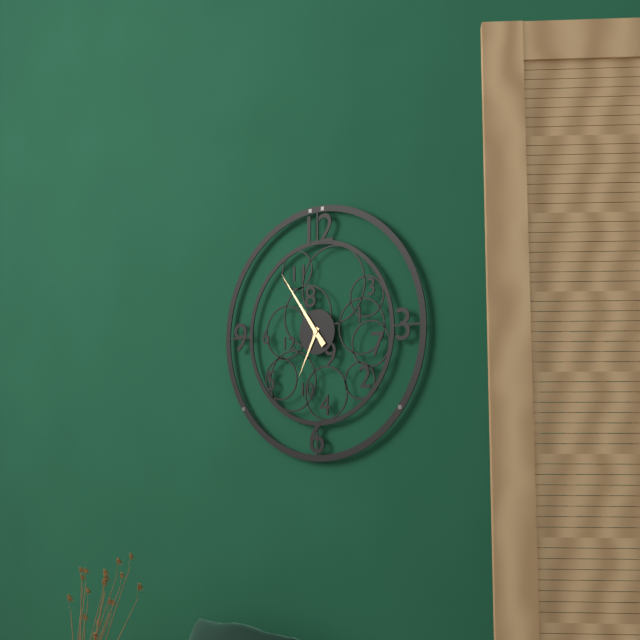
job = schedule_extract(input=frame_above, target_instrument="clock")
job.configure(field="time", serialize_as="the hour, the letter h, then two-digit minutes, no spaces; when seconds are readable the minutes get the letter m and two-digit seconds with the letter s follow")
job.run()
6h54
